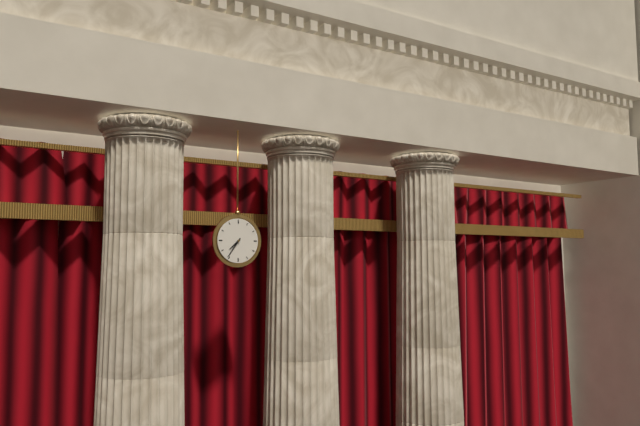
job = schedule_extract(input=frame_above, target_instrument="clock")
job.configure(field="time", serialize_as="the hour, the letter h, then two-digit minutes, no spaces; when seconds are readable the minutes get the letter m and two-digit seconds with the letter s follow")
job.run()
7h36
